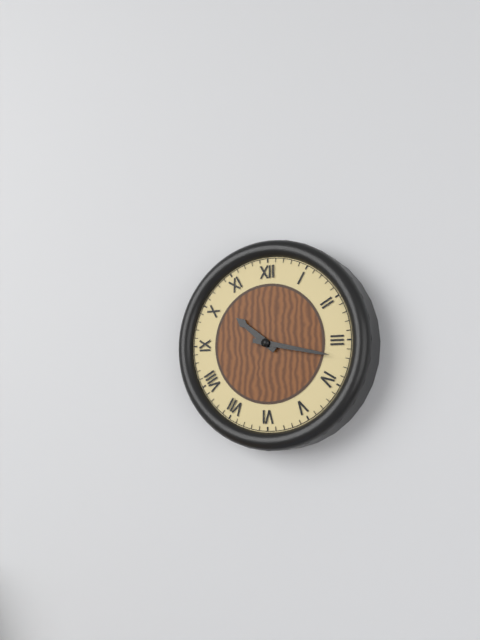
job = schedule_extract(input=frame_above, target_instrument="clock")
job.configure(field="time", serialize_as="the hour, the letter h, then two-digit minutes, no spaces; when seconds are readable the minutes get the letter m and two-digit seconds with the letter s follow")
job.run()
10h17
